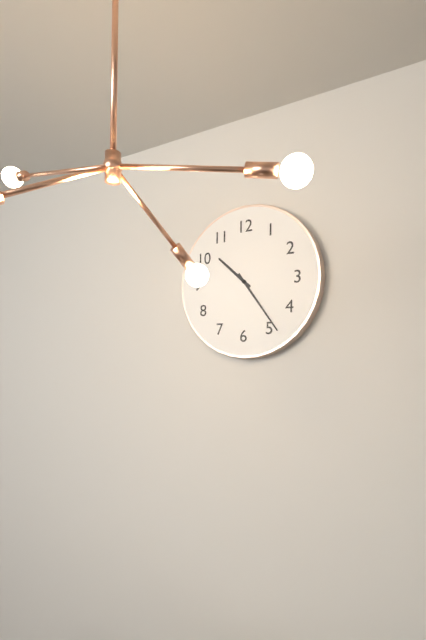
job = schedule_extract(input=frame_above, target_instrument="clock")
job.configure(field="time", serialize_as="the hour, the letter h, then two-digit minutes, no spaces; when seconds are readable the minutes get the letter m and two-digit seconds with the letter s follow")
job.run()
10h24
